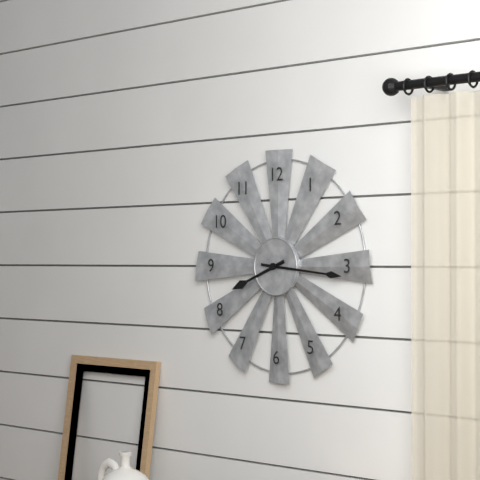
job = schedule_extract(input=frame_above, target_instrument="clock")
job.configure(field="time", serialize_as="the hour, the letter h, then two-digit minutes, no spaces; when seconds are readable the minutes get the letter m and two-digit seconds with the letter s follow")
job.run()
8h16
